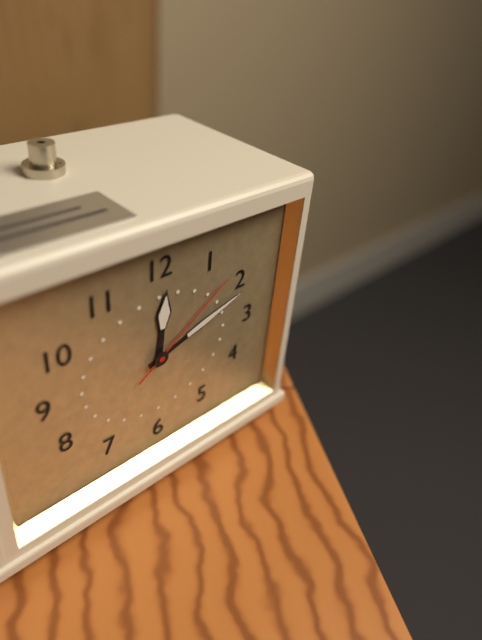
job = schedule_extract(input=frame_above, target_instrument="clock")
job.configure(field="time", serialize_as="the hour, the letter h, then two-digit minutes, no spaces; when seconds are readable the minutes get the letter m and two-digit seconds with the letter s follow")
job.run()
12h12m09s
